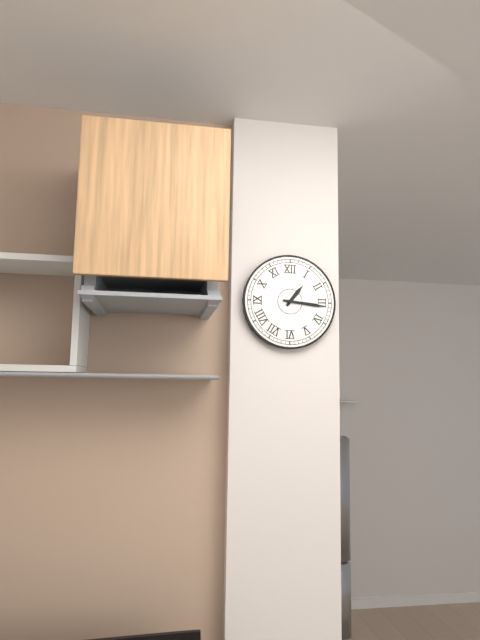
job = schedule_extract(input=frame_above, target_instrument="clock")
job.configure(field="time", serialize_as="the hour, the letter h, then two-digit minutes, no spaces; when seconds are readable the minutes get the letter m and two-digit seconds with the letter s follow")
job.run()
1h16
